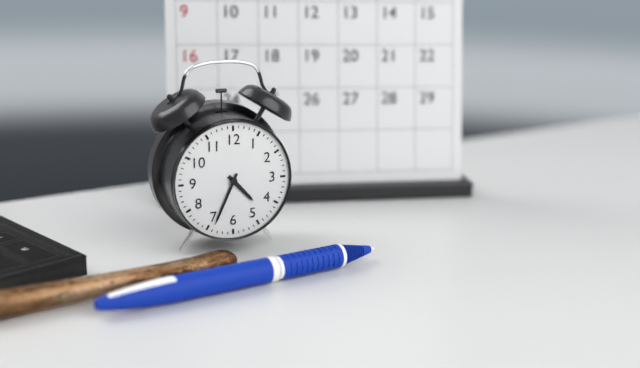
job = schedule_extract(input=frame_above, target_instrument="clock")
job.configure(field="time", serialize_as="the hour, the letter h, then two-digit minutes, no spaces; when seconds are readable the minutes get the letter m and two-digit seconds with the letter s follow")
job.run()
4h34
